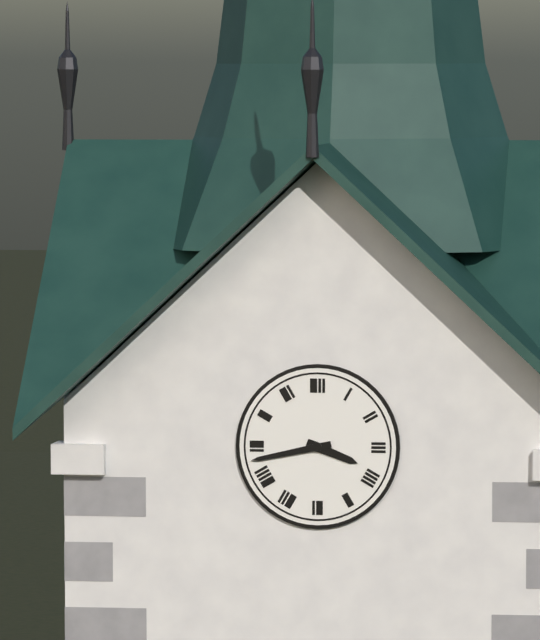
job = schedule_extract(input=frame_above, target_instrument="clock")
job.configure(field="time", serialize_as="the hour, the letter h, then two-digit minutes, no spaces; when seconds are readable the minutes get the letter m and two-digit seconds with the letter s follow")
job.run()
3h43
